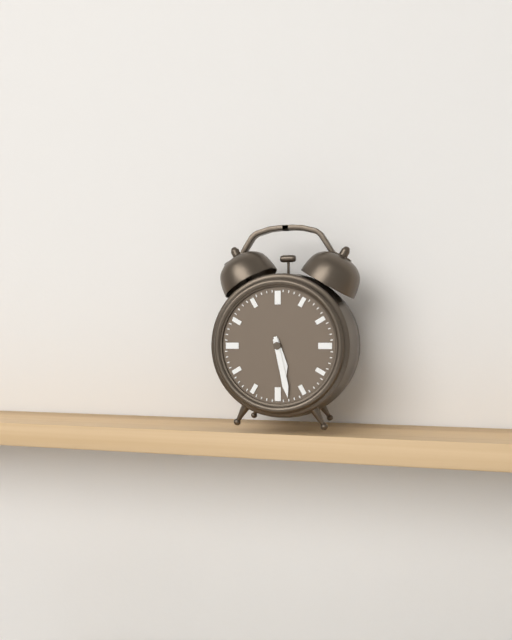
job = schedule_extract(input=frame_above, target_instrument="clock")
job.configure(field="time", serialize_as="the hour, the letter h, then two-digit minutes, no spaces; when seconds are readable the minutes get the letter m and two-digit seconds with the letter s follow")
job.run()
5h28
